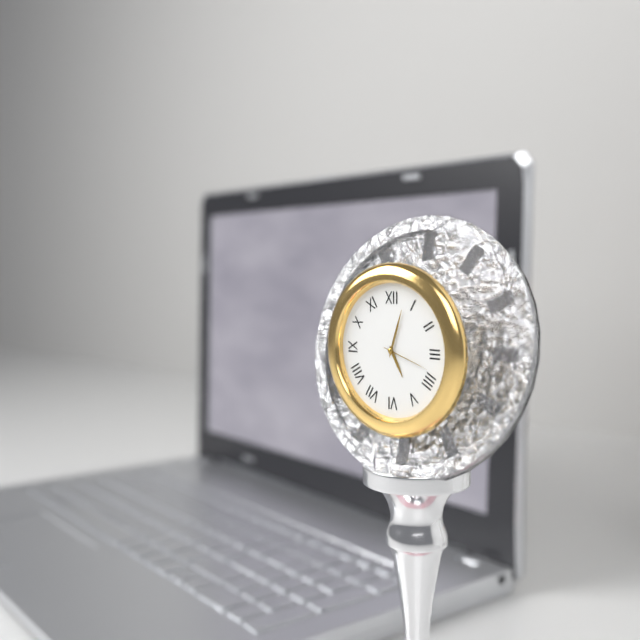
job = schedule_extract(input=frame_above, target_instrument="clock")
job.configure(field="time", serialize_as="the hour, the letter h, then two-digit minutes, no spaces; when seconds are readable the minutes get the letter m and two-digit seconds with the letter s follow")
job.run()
5h03m18s
